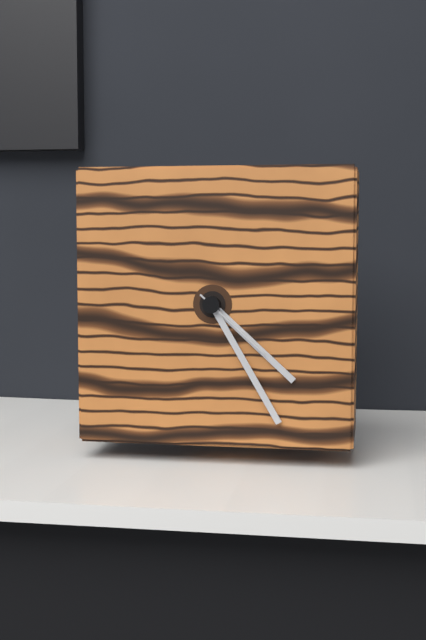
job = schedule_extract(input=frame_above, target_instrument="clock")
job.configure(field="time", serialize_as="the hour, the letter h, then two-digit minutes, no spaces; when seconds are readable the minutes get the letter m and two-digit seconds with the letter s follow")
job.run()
4h25m22s
